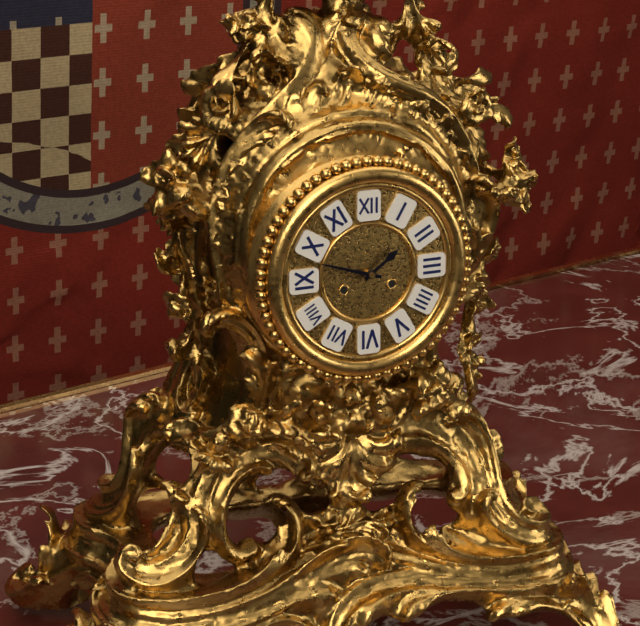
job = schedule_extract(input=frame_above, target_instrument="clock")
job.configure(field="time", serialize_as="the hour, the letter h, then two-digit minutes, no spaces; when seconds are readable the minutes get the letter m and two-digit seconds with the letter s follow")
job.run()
1h48
